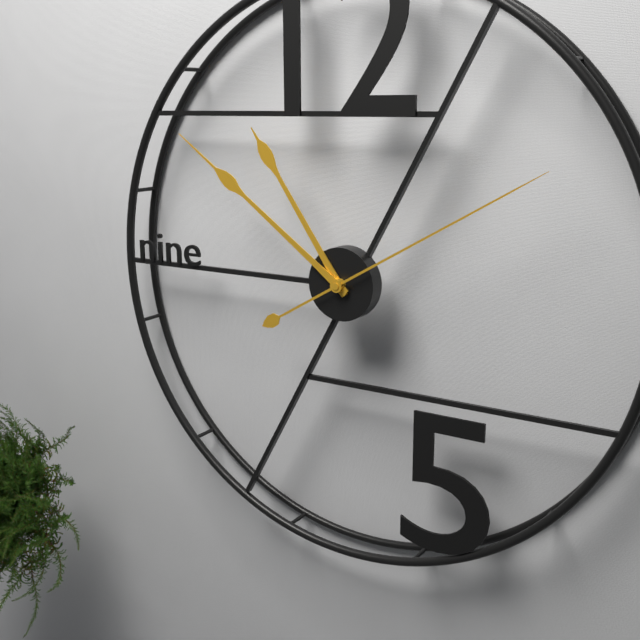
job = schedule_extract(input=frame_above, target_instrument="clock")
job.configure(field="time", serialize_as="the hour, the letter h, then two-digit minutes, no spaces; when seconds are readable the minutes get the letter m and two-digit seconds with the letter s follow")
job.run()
10h51m10s
